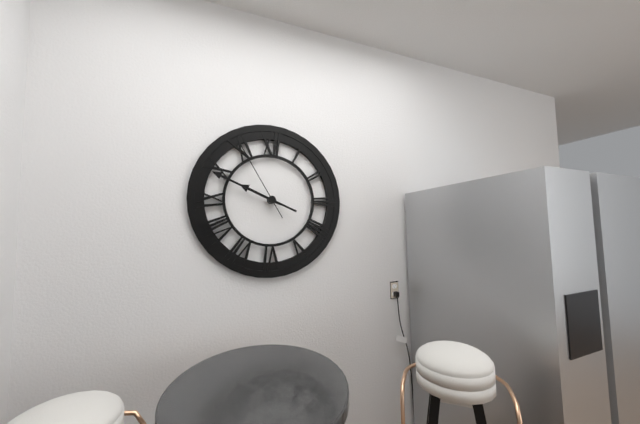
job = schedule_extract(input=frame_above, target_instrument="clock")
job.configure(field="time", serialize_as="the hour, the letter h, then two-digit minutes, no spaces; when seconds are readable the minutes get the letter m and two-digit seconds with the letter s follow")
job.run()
9h49m55s
